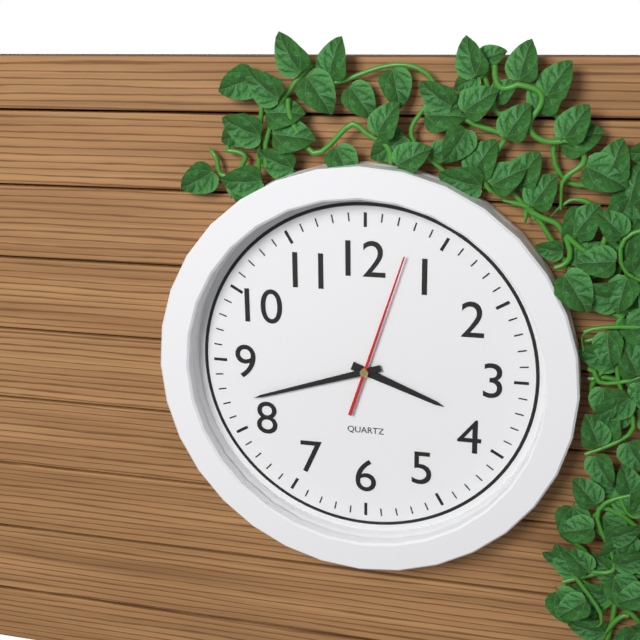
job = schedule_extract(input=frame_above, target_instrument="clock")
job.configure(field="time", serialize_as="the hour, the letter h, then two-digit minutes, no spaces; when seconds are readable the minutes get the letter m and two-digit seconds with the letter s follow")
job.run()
3h42m03s
